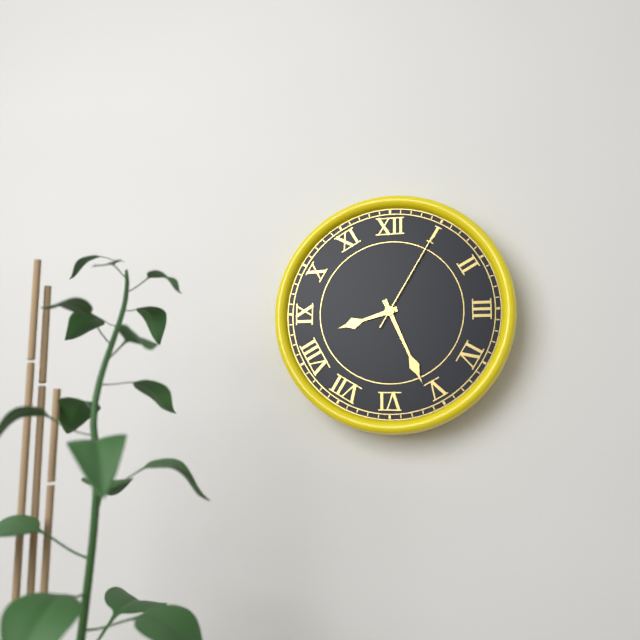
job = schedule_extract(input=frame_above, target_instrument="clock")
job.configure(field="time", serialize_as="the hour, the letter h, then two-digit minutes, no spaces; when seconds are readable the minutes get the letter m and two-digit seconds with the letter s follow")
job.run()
8h26m05s
